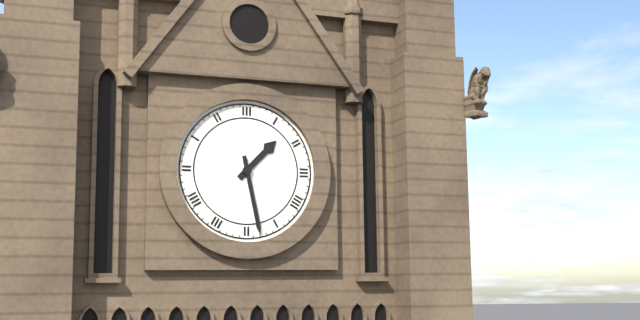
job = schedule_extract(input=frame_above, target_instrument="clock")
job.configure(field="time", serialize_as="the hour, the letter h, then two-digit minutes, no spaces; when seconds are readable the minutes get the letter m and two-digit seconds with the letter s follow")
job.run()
1h28
